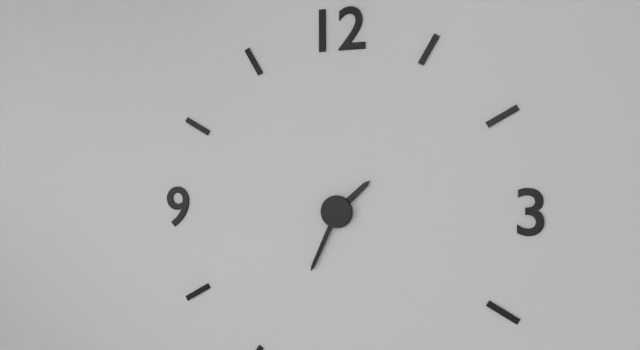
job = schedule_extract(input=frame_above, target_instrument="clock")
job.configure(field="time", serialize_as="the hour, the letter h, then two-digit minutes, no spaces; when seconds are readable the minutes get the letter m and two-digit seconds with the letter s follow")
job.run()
1h34
